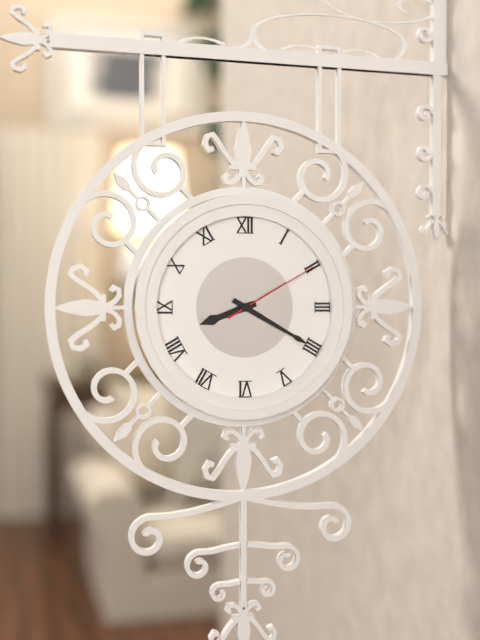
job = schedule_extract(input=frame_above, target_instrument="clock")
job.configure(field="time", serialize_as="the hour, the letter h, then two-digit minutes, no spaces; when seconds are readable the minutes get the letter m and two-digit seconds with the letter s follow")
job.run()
8h20m10s
